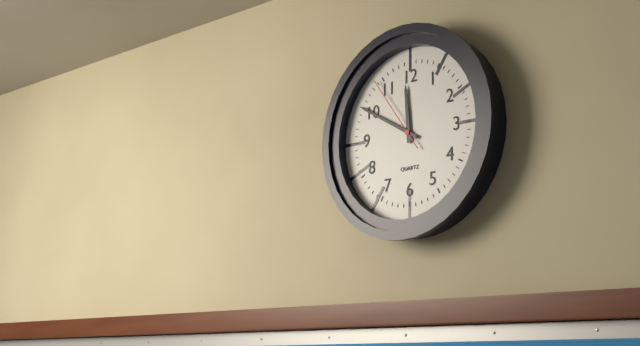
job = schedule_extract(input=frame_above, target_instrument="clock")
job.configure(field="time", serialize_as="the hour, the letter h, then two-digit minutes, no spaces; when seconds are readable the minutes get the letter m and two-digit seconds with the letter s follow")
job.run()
11h50m54s
